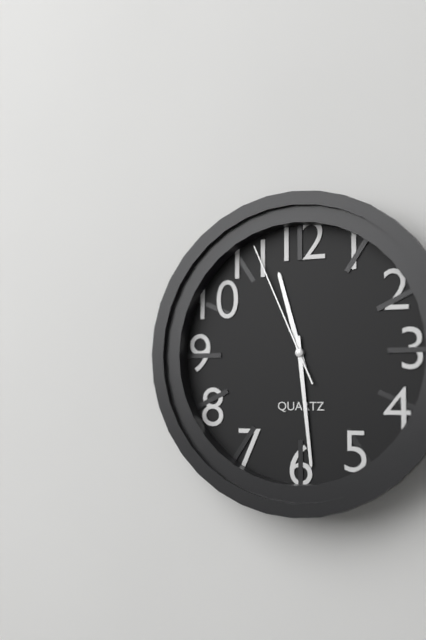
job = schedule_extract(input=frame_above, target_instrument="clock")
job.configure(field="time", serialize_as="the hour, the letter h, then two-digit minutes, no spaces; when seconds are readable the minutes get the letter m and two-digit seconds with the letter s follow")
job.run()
11h29m56s
